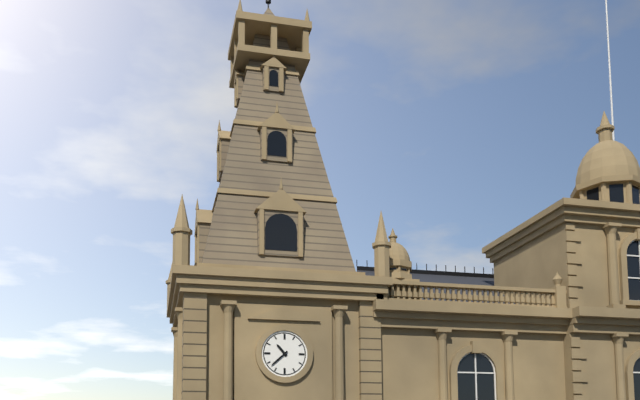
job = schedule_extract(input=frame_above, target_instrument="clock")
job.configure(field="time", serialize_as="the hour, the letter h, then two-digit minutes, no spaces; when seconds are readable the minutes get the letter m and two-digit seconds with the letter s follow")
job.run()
10h38
